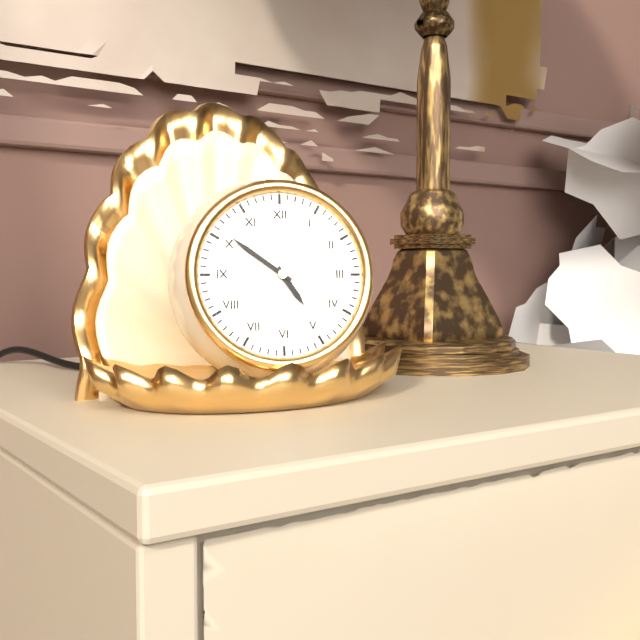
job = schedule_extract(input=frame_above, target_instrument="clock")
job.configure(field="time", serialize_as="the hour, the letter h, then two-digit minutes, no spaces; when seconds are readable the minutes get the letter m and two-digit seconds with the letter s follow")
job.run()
4h51
